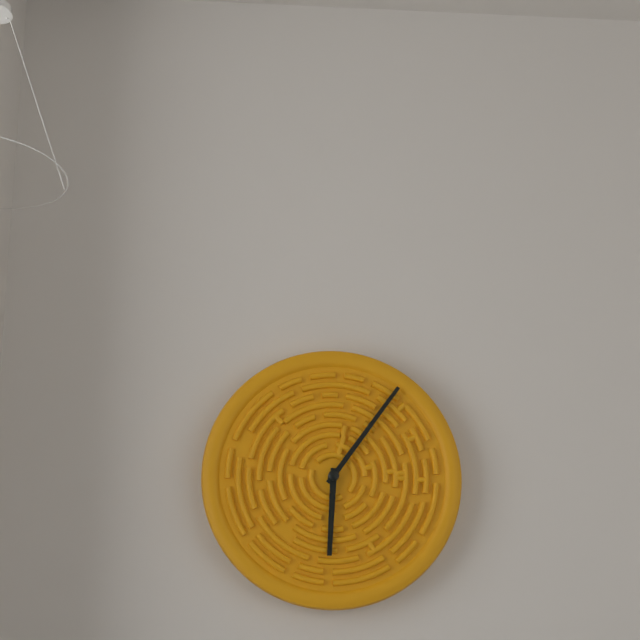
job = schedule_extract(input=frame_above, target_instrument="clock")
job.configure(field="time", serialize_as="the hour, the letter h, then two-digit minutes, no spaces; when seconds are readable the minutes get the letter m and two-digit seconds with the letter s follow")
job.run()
6h06
